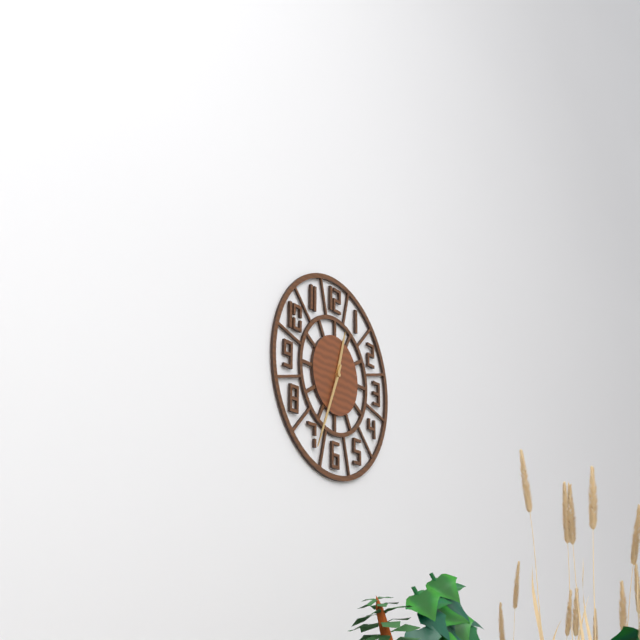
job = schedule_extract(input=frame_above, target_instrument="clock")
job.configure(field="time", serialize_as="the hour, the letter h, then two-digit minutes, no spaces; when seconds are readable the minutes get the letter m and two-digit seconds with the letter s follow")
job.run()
12h34
